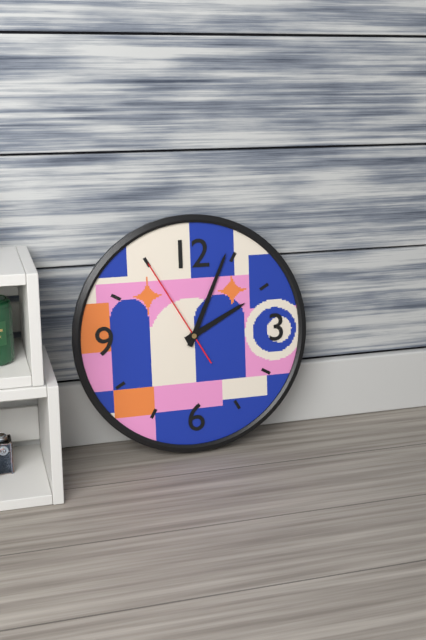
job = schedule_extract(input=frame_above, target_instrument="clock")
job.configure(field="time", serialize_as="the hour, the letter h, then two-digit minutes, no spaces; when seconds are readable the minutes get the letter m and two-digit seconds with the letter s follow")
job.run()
2h04m55s
